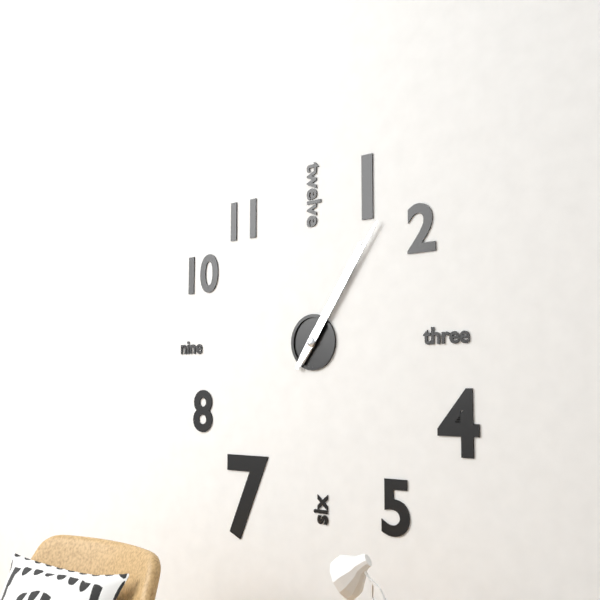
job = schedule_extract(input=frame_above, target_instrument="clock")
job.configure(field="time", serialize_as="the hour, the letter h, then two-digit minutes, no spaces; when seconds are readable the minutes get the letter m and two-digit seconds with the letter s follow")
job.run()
1h06
